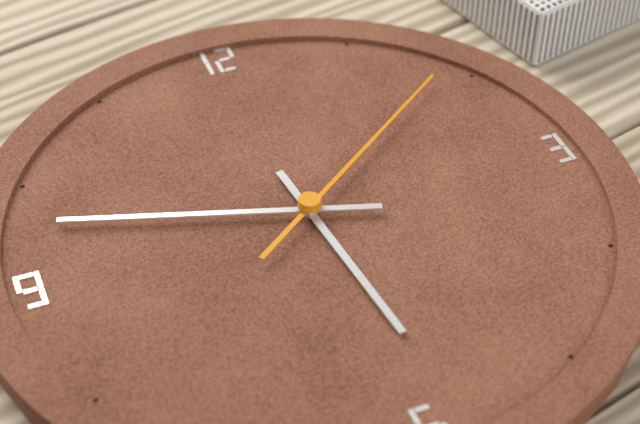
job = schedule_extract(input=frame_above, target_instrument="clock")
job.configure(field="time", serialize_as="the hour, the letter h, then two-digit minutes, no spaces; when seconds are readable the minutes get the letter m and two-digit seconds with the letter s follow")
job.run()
5h48m09s
